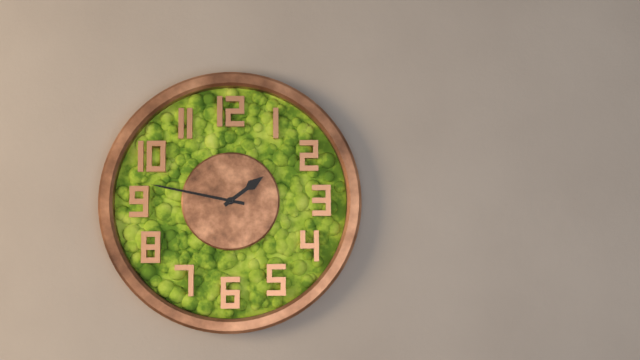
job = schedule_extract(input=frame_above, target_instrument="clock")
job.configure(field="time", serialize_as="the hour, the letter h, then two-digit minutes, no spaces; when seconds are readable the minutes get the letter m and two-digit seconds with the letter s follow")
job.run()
1h47
